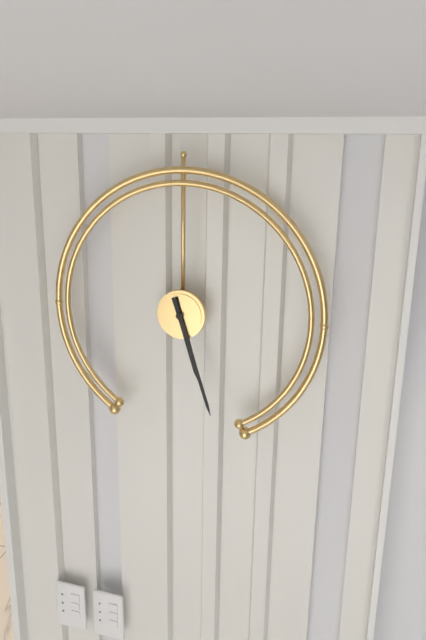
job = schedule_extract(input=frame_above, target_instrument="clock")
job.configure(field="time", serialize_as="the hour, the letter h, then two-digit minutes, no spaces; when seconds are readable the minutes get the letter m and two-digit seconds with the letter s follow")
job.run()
5h27
